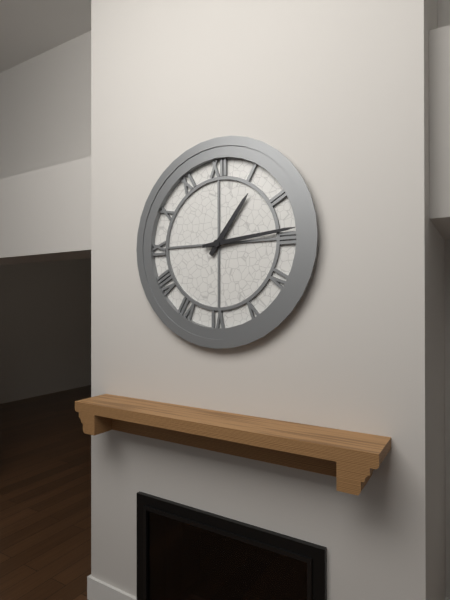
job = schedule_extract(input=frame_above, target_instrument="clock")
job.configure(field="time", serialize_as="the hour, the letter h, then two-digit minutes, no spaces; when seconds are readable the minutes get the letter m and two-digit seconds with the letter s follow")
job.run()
1h14
